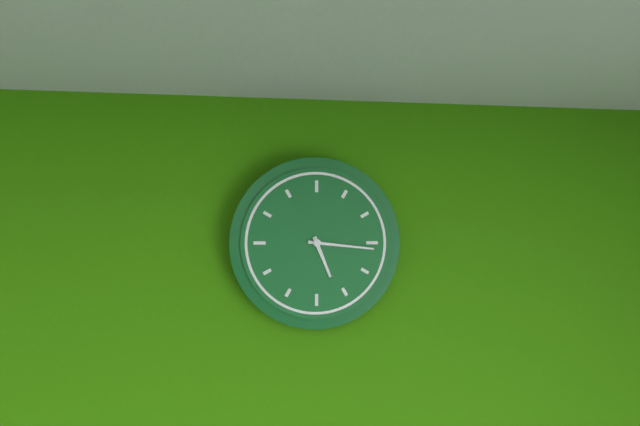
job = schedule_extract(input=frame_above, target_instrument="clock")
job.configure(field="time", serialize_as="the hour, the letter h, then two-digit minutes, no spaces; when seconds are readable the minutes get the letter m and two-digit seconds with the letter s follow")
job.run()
5h16
